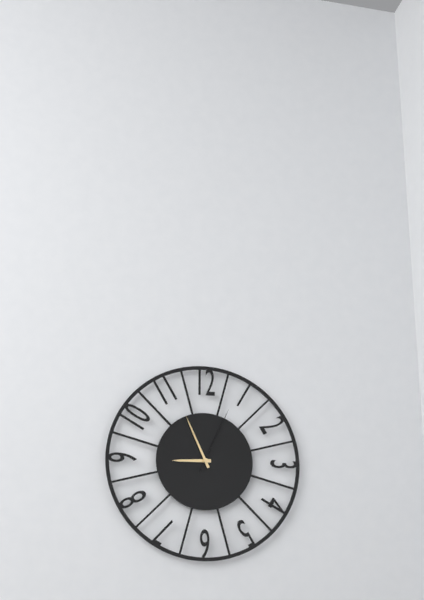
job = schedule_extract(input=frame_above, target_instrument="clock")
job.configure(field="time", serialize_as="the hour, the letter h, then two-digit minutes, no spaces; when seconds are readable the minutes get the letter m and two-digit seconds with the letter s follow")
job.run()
8h56m04s
